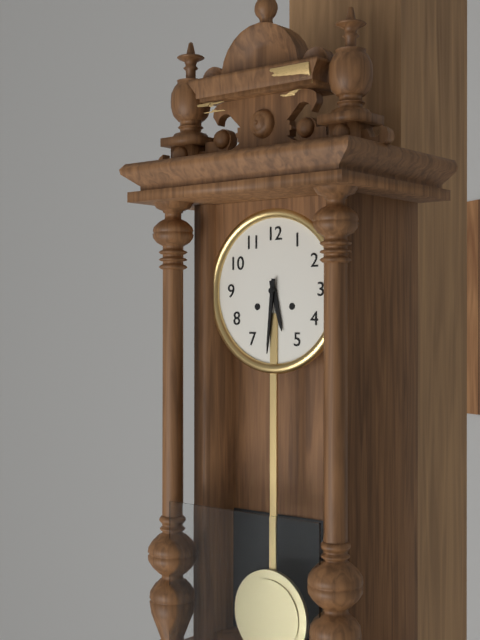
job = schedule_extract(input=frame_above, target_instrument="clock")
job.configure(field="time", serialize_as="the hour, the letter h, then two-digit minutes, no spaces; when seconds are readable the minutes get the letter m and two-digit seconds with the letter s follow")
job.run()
5h31
